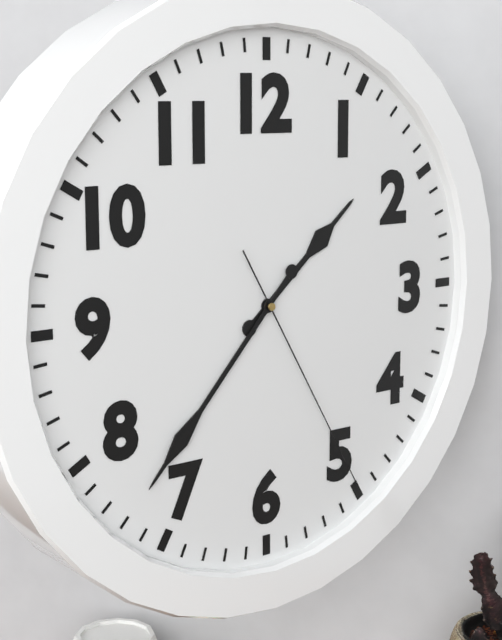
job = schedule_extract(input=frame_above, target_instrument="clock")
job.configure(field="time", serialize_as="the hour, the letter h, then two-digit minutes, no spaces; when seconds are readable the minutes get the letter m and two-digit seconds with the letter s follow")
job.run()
1h37m25s
